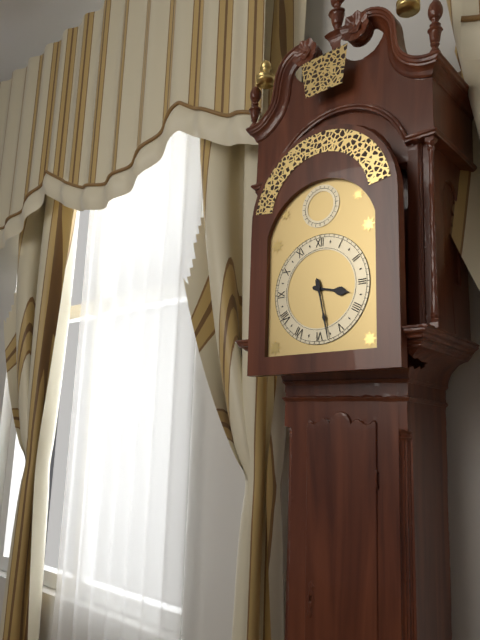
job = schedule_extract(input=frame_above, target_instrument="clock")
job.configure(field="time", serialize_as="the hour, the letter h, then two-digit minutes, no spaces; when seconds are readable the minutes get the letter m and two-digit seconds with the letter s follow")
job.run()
3h28
